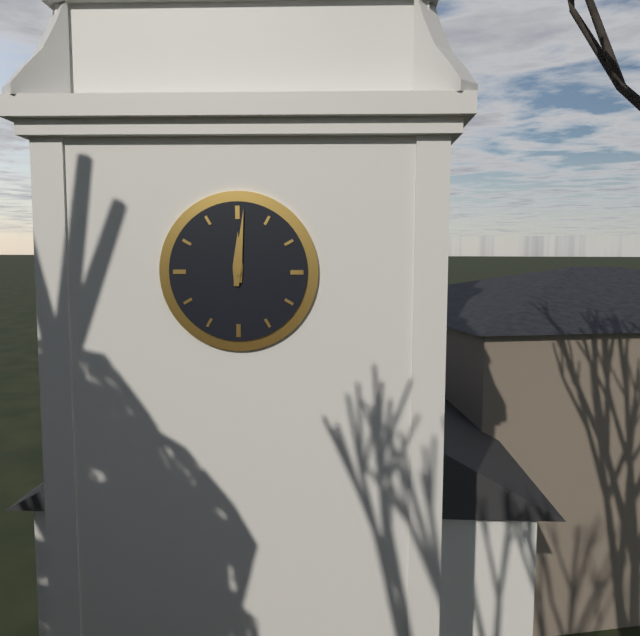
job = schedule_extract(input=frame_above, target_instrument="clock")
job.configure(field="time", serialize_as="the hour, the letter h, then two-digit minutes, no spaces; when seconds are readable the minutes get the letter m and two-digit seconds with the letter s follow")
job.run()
12h01
